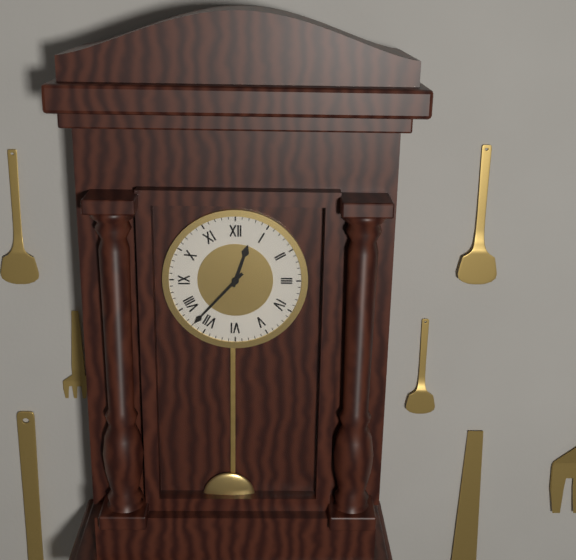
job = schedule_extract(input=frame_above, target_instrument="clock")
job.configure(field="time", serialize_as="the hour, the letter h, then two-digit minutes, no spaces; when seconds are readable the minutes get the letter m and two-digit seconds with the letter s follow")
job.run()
12h37
